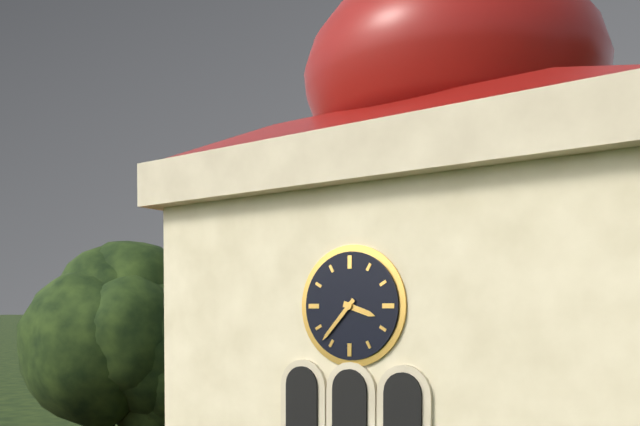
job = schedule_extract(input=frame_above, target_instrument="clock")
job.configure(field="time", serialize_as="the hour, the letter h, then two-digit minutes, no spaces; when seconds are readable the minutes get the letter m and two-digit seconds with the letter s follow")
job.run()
3h37
